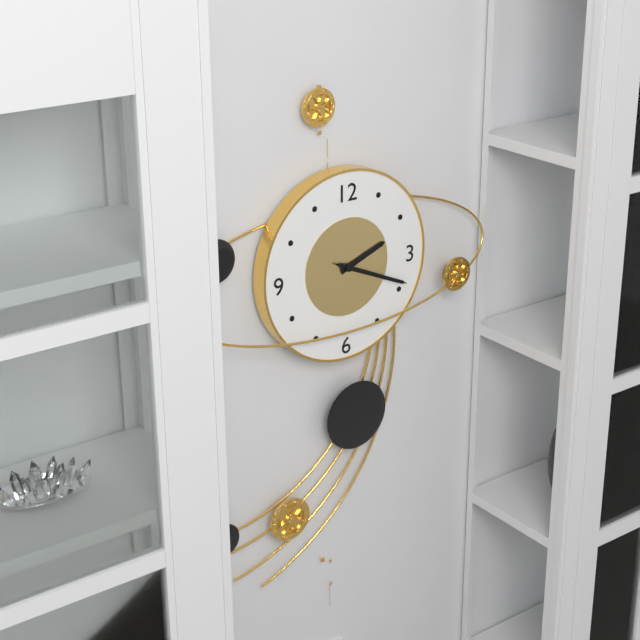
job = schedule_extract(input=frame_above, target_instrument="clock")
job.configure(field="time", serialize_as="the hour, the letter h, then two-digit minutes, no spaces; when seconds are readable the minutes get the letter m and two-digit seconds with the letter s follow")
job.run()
2h19m19s
